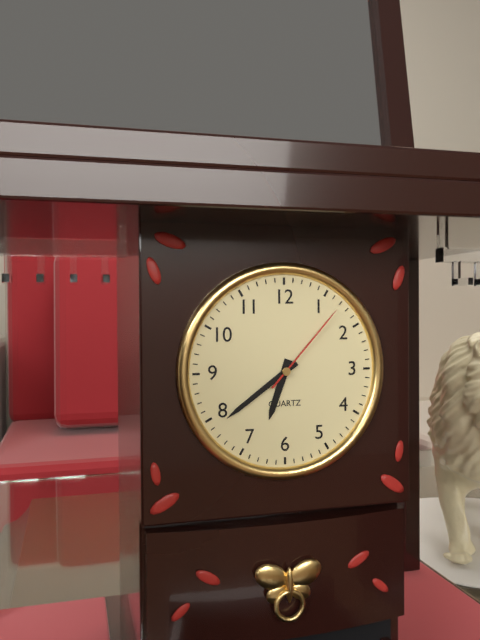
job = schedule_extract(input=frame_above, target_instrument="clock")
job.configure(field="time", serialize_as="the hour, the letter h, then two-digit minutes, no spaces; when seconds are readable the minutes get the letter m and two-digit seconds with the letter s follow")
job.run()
6h39m07s
